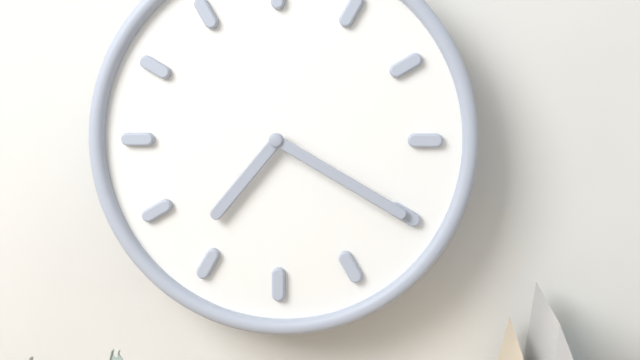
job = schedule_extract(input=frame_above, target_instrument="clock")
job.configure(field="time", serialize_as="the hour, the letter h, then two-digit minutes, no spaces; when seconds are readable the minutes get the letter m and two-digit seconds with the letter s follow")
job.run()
7h20
